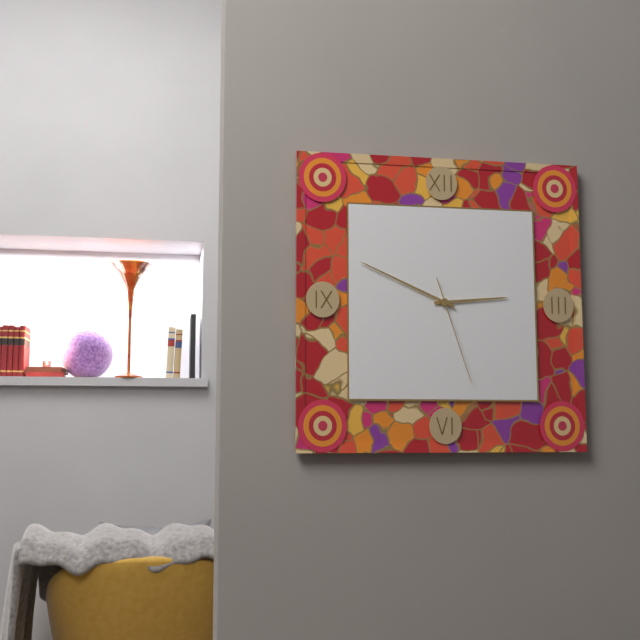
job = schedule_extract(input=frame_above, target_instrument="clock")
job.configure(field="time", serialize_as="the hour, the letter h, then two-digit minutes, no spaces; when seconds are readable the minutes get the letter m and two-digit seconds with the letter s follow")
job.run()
2h49m27s
